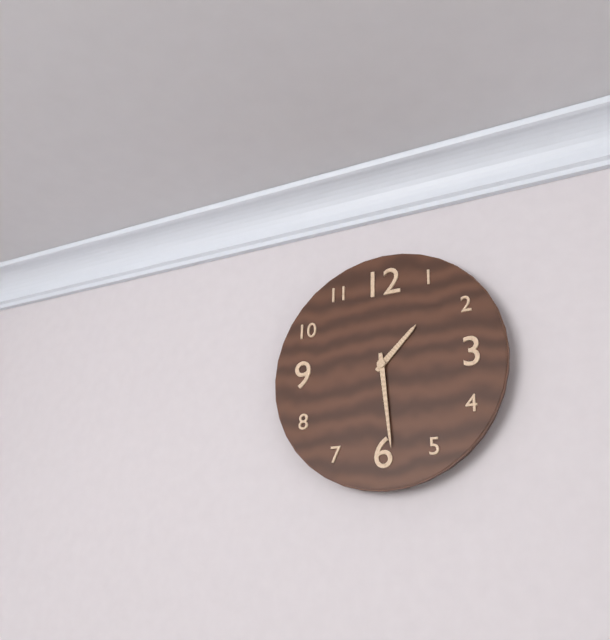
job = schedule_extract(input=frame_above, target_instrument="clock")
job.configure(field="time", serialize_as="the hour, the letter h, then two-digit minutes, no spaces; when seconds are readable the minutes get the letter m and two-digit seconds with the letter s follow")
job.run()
1h29
